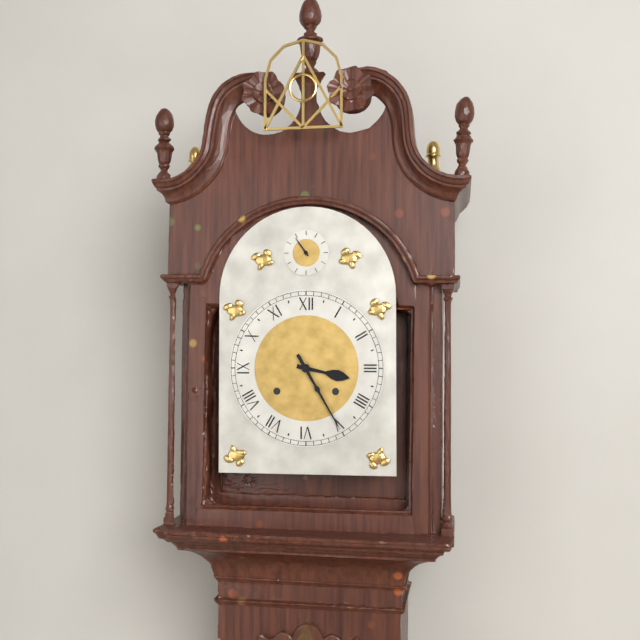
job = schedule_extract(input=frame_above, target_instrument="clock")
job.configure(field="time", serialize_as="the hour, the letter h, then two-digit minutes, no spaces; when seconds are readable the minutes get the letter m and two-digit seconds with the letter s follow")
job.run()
3h25
